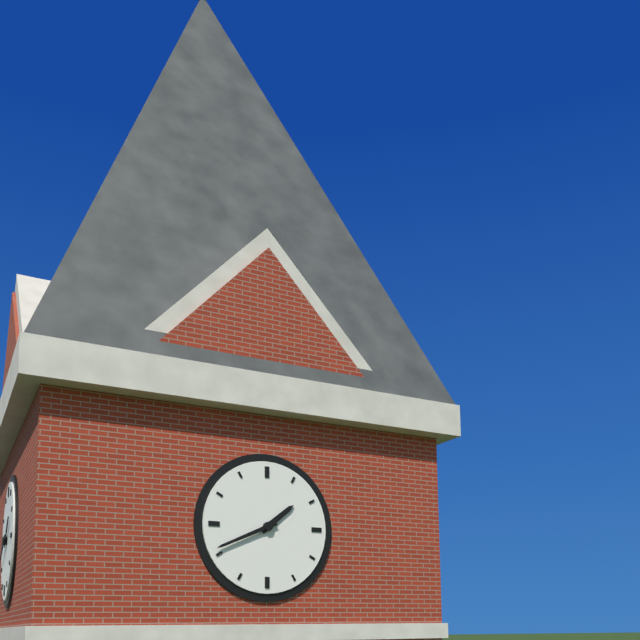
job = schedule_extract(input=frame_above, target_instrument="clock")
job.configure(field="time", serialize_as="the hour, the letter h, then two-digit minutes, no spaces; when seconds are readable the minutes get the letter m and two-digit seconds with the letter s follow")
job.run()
1h41
